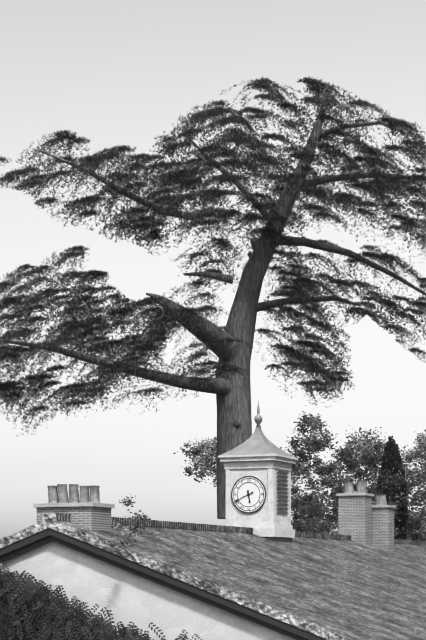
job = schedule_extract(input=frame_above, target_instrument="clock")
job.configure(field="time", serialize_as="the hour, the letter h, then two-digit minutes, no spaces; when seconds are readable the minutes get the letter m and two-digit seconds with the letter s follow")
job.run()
5h41
